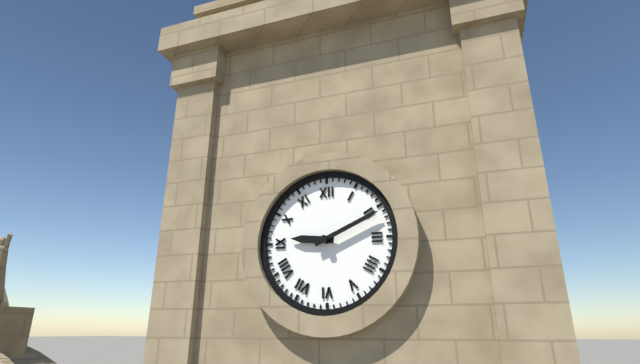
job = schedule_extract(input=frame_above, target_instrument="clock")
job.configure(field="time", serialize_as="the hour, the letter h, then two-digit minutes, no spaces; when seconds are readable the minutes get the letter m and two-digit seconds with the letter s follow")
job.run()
9h11
